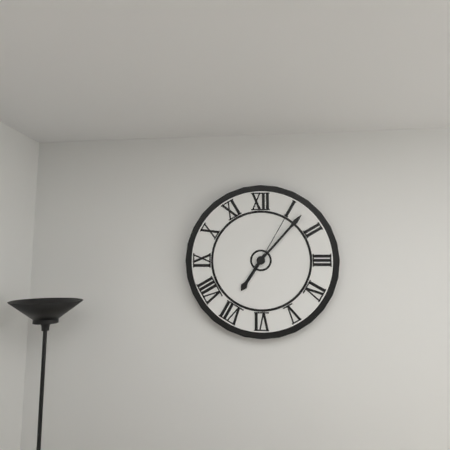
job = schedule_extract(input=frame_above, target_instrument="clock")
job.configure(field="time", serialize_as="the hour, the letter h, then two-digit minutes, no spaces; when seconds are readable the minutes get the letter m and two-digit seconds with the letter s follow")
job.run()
7h07m05s
